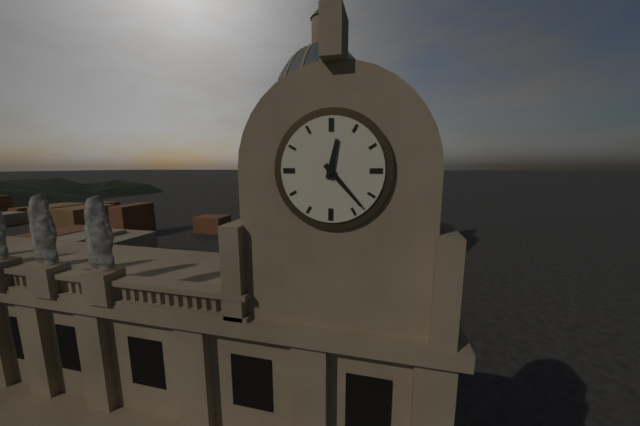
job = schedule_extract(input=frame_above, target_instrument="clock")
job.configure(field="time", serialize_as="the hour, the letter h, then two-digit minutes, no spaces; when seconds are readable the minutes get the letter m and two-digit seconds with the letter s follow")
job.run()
12h23
